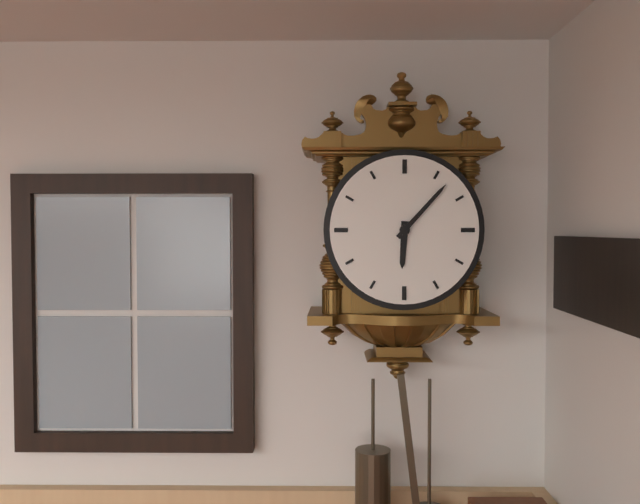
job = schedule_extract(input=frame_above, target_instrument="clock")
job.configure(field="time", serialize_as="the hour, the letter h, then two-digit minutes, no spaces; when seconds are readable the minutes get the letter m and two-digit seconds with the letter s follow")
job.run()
6h07
